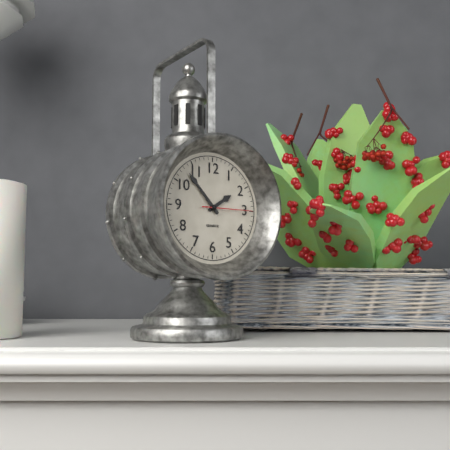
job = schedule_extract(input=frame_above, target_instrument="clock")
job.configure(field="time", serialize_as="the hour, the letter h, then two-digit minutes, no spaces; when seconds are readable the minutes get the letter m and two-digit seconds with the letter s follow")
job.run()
1h53
